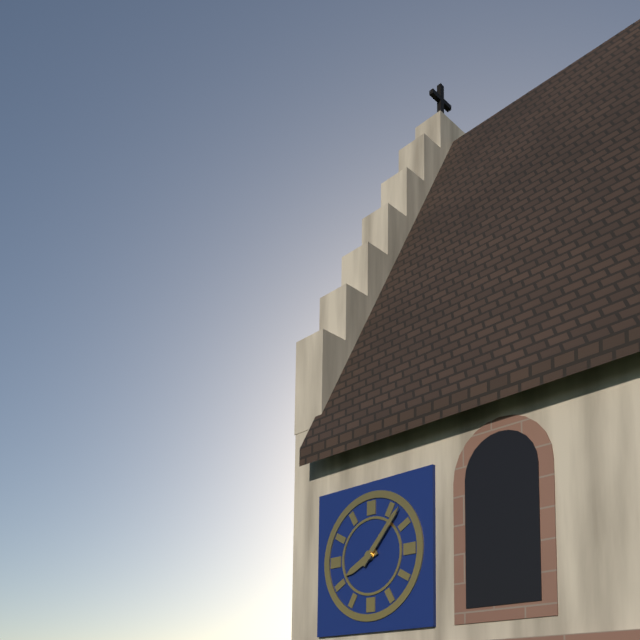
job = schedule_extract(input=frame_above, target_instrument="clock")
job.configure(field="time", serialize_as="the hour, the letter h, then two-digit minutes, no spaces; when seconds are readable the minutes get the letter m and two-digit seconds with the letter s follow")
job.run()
8h07
